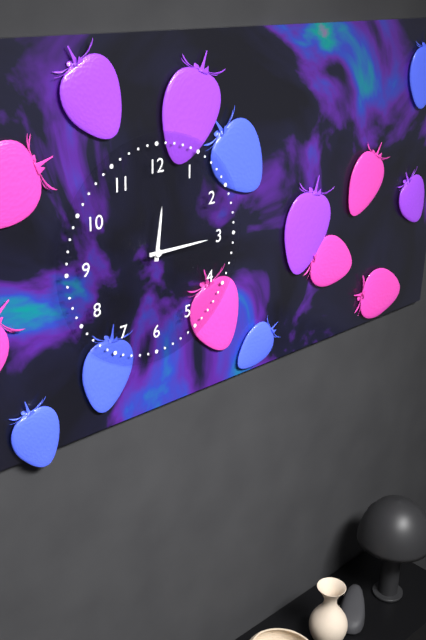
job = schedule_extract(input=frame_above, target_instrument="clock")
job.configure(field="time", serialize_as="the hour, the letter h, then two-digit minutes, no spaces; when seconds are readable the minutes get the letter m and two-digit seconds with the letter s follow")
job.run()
12h15
